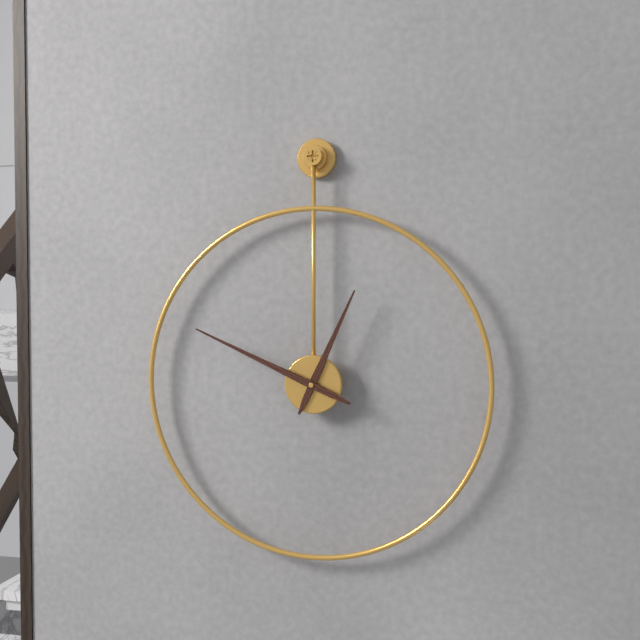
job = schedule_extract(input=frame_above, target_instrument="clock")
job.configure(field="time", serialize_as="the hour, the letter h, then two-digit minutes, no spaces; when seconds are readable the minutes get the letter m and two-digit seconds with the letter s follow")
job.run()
12h49
